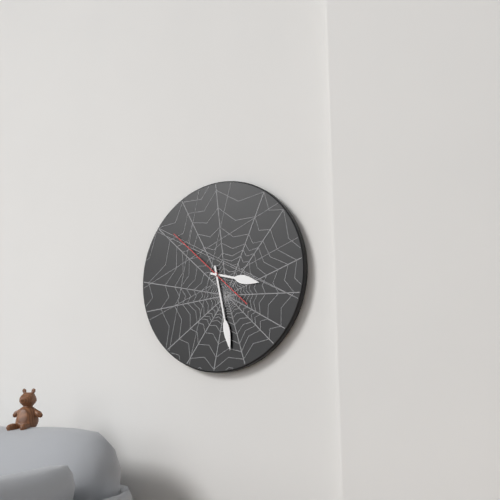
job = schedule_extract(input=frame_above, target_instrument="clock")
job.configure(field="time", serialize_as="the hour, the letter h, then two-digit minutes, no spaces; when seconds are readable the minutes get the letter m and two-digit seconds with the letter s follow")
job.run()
3h28m52s
